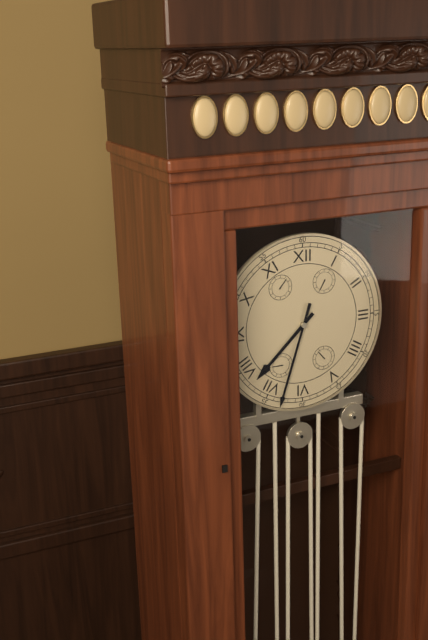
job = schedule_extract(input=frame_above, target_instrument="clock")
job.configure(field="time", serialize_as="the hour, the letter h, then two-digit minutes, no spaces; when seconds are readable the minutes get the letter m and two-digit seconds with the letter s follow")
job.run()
7h33
